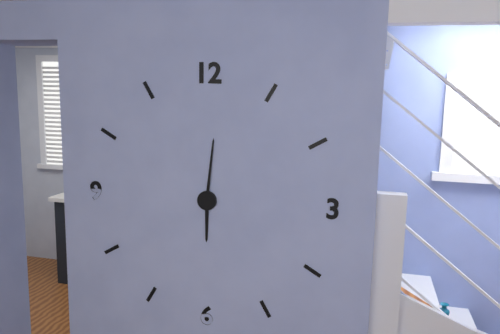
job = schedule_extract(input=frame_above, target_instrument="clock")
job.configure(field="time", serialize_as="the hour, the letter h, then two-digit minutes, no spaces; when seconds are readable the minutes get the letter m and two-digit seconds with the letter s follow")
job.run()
6h01
